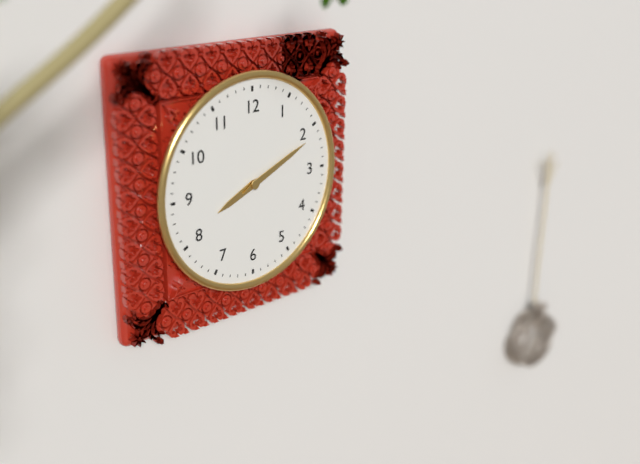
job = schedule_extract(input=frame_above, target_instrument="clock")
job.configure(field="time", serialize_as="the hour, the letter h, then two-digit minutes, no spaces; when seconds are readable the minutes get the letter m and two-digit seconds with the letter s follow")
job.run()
8h11
